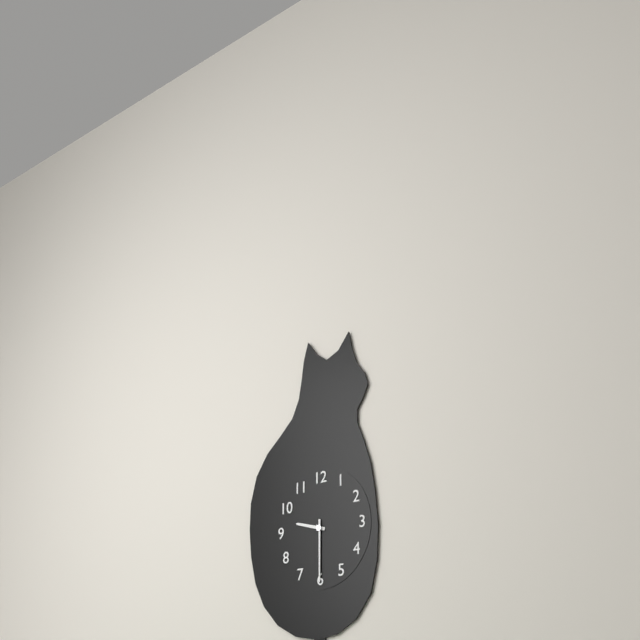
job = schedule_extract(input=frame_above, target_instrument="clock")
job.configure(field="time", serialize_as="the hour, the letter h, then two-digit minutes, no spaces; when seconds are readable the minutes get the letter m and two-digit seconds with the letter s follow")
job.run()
9h30
